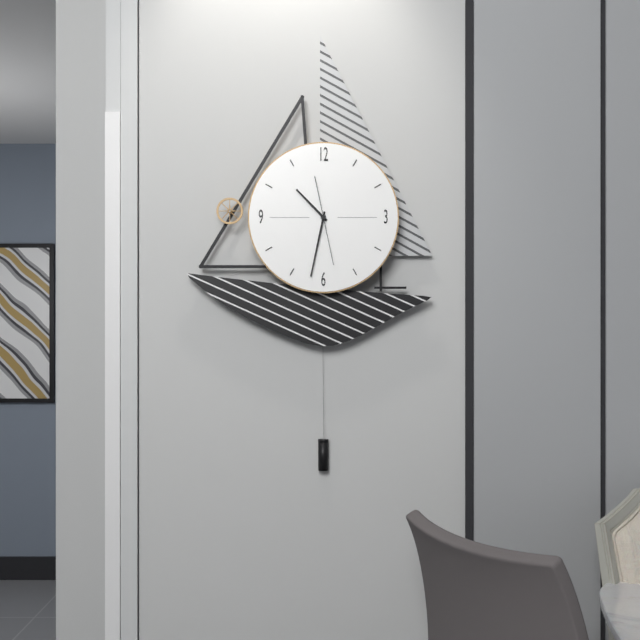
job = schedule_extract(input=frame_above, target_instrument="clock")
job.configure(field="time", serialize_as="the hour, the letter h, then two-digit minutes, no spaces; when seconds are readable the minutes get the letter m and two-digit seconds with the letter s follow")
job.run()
10h32m28s
